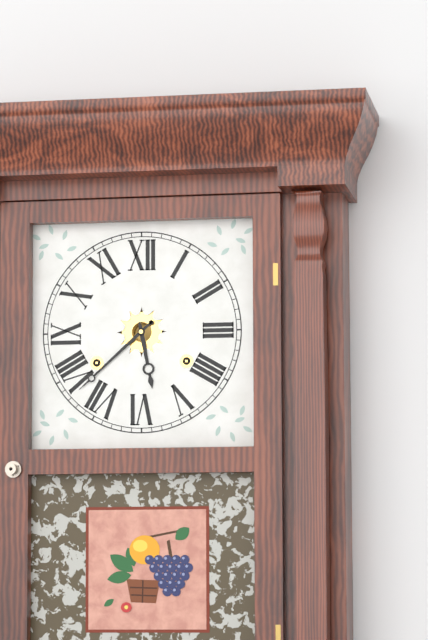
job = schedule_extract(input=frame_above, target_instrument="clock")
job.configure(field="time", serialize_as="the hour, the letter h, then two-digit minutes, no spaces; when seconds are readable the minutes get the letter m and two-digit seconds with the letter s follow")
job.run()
5h38
